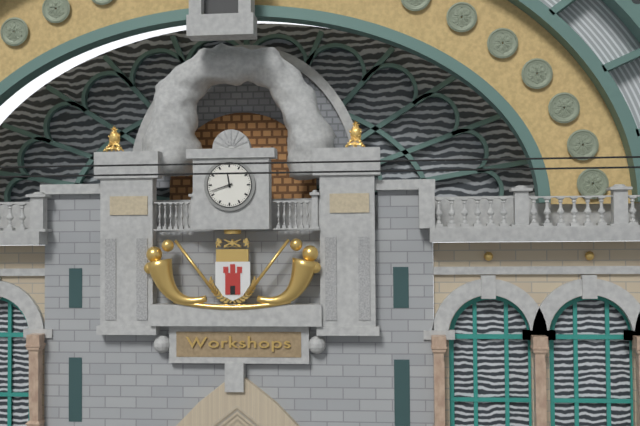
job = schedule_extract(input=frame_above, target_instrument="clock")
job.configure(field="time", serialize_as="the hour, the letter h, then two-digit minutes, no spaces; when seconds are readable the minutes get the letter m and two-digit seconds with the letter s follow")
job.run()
11h42
